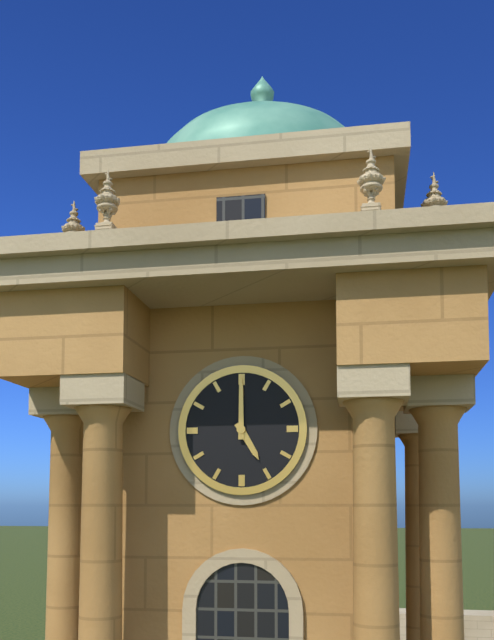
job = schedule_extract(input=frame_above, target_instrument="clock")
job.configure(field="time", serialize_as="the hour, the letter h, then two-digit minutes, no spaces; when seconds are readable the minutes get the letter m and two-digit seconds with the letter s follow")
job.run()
5h00
